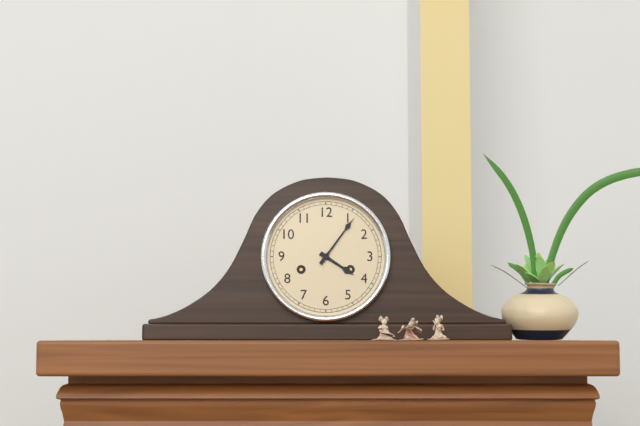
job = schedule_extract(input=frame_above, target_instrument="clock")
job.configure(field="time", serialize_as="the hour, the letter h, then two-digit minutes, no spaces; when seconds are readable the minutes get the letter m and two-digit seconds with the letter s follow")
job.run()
4h06
